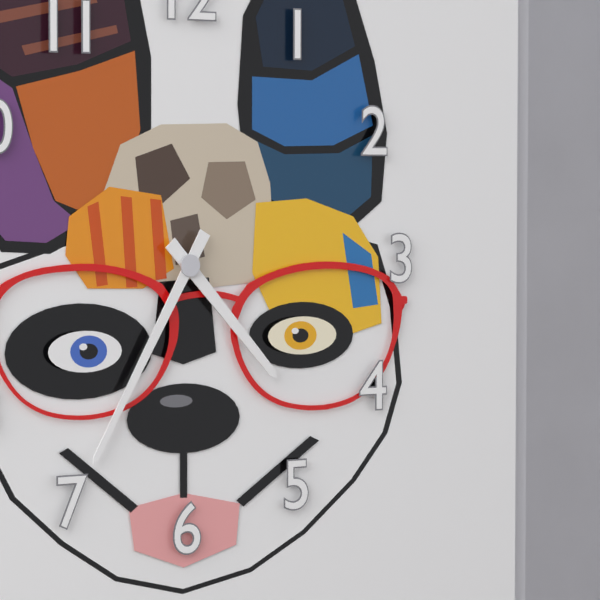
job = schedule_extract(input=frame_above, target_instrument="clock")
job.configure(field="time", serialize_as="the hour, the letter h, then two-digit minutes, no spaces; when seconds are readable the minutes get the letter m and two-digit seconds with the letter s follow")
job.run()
4h35
